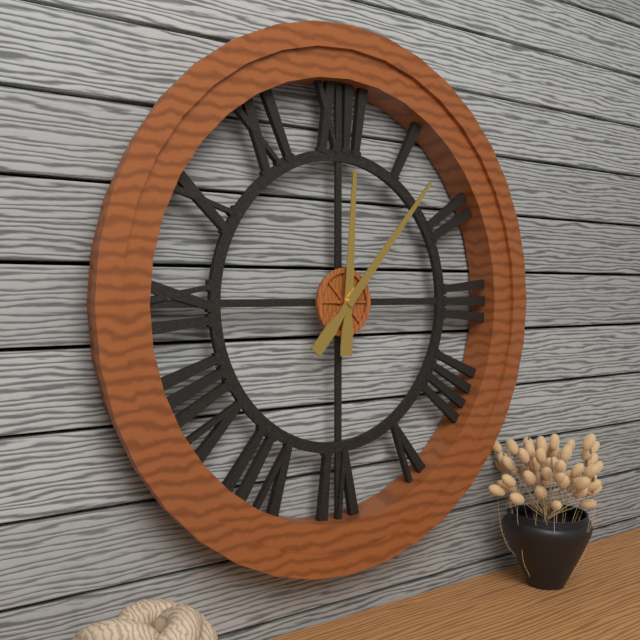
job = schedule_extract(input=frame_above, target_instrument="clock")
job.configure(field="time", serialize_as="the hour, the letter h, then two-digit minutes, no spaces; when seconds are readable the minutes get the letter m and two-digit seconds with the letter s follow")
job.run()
12h07
